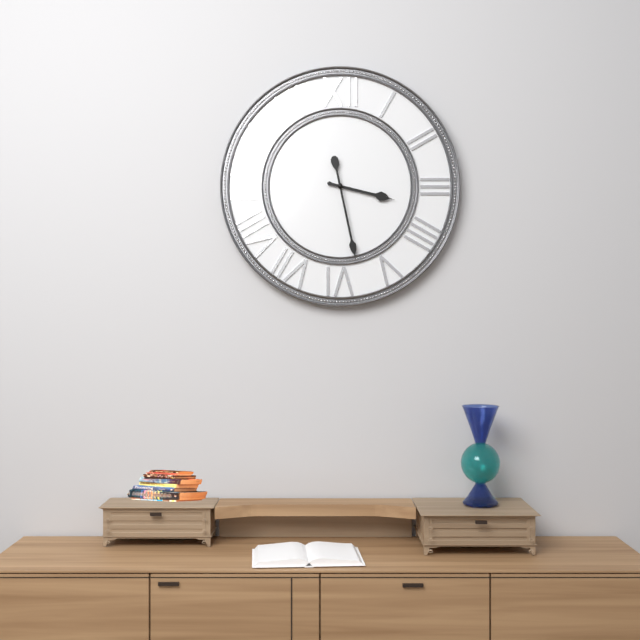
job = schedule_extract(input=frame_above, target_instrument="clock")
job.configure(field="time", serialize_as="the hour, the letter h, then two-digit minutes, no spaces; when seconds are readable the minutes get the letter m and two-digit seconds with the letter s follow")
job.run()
3h28
